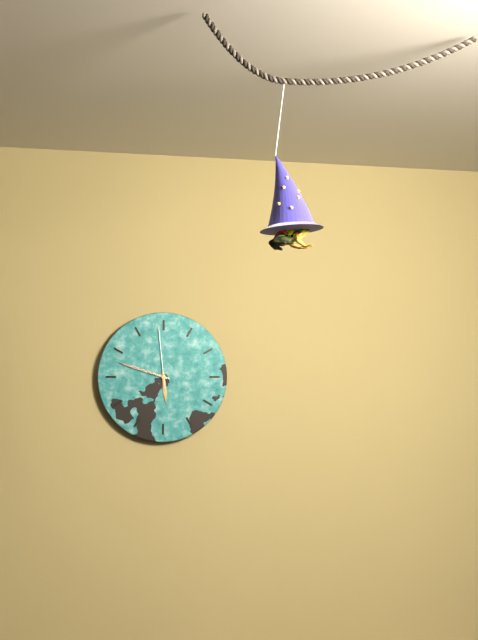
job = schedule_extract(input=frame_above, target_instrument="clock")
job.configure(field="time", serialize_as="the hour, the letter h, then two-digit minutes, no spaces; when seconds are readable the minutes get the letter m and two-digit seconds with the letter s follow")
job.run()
5h48m59s
